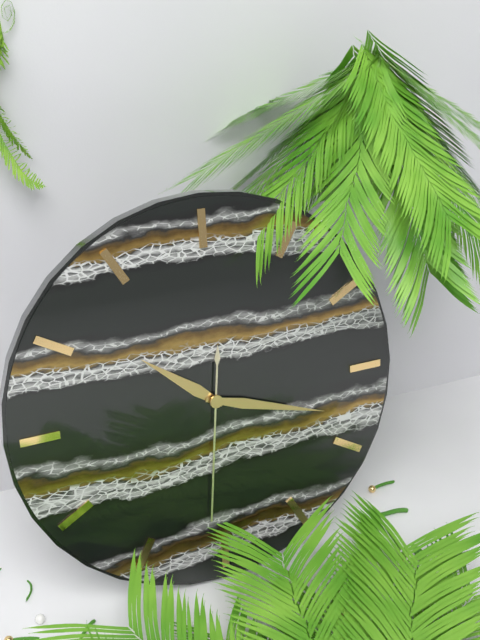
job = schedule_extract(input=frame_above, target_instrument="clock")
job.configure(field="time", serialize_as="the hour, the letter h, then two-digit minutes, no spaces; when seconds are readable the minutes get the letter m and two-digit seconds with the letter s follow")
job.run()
10h18m31s
